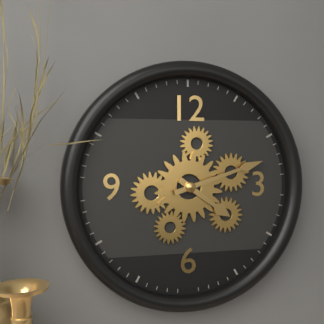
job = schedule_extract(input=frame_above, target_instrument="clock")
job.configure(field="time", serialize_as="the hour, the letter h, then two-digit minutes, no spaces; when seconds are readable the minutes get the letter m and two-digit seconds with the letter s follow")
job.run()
4h12
